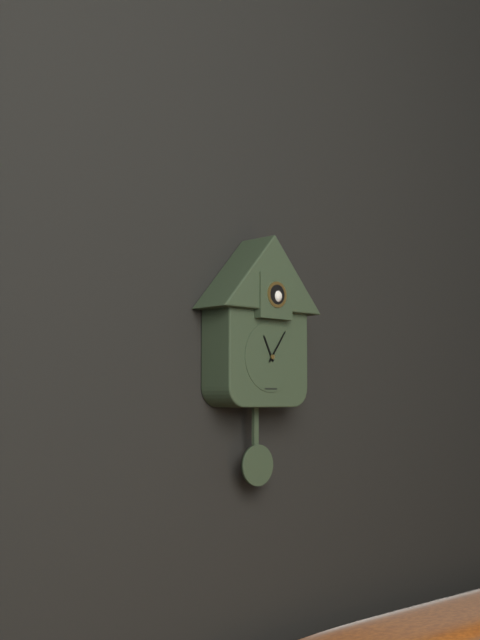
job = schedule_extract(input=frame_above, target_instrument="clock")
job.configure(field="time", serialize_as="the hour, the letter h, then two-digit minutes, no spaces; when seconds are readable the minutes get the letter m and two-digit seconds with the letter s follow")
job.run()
11h06
